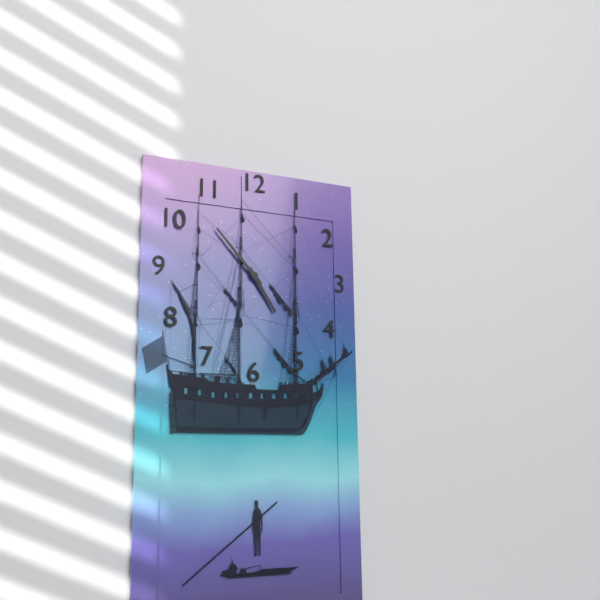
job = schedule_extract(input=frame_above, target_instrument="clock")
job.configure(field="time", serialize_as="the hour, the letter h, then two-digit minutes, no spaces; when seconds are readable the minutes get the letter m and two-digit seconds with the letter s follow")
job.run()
4h53
